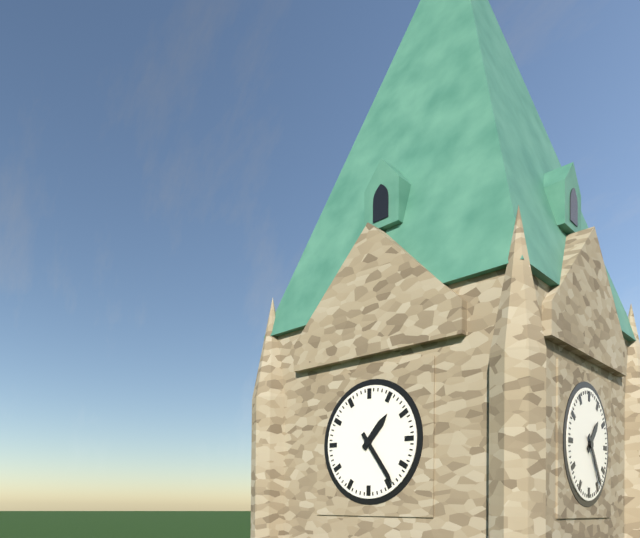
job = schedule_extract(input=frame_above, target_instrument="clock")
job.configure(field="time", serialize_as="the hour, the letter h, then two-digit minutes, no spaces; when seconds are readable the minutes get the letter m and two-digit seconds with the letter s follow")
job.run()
1h24
